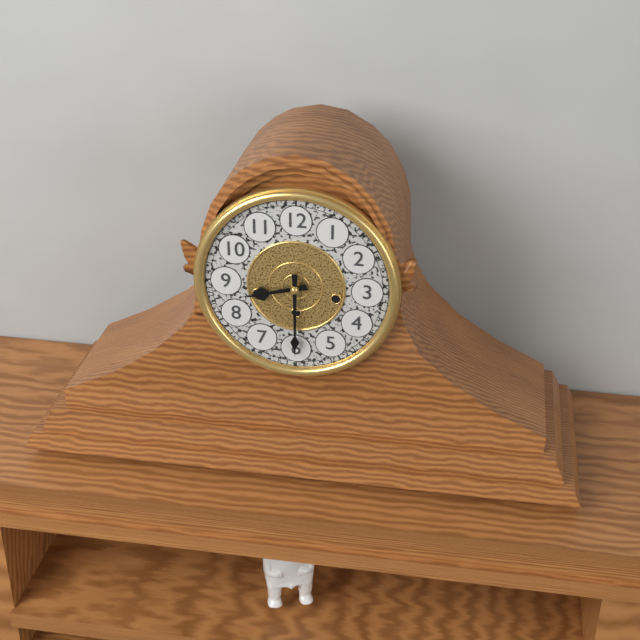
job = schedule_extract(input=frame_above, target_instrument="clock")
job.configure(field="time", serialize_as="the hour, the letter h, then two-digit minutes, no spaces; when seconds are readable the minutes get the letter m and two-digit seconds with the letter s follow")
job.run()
8h30
